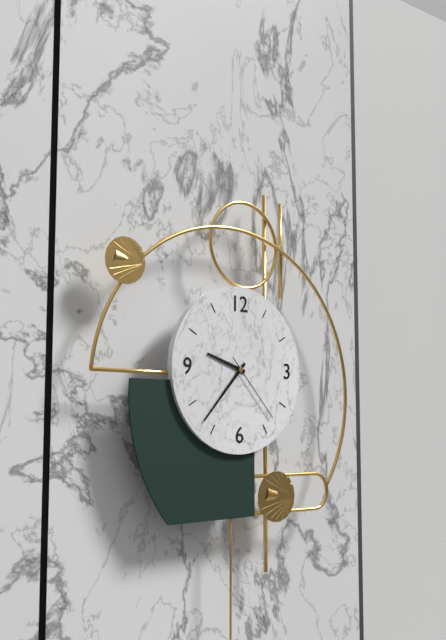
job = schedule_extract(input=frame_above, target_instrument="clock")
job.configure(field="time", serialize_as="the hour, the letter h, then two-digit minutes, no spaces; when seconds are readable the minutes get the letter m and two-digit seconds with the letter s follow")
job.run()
9h37m23s
